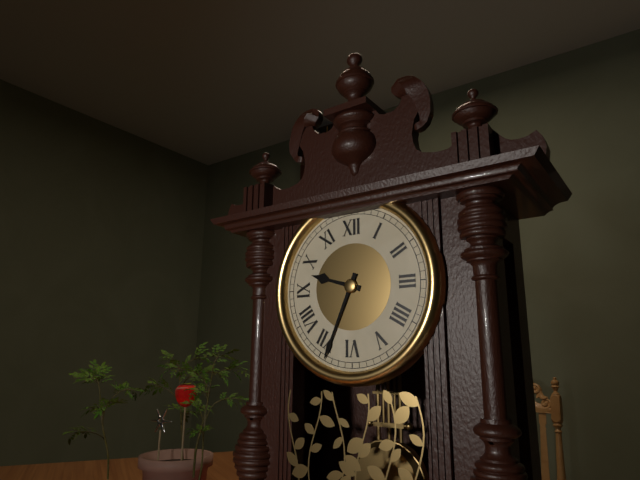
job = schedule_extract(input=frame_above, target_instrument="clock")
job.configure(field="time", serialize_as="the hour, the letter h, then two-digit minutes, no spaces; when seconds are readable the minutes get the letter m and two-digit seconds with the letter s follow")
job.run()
9h34
